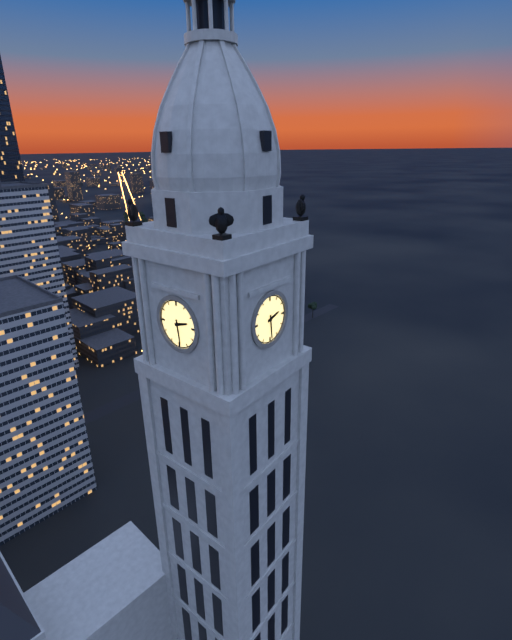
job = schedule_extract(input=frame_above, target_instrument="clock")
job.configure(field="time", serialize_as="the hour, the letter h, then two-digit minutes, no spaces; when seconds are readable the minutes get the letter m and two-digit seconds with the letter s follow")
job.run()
2h29
